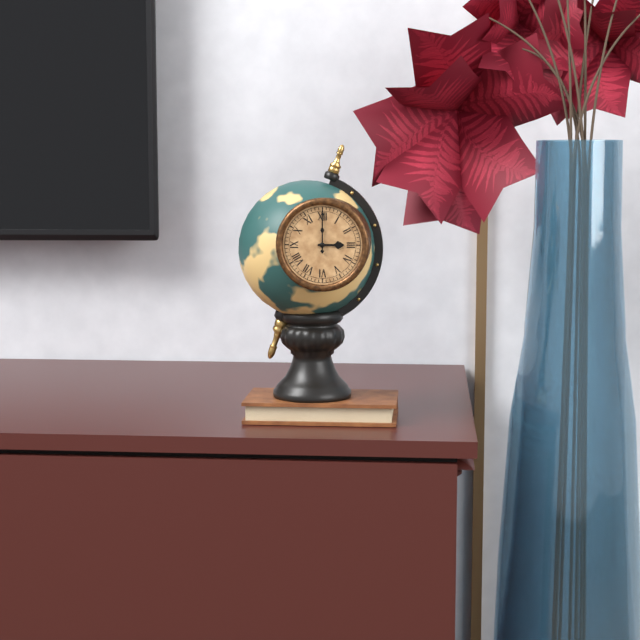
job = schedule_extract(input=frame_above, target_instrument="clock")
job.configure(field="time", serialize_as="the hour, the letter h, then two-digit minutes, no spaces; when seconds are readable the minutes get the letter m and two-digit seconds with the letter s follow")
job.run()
3h00
